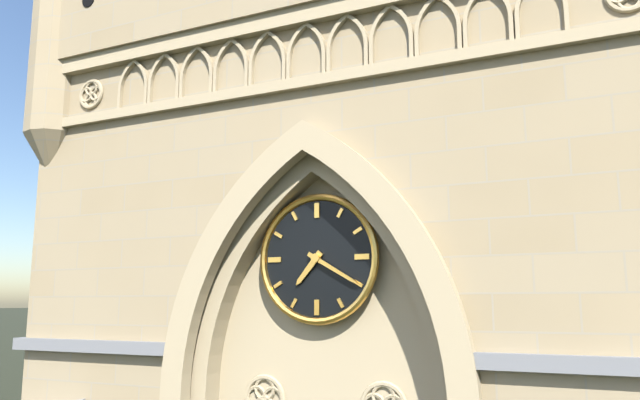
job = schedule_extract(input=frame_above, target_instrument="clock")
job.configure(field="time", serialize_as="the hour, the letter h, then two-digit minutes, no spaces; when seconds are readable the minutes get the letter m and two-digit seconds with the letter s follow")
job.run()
7h20
